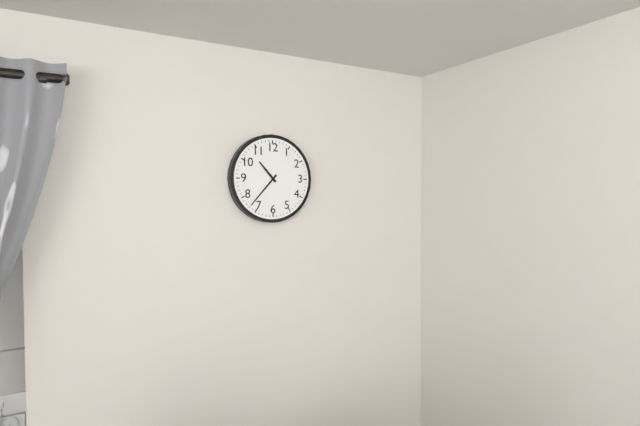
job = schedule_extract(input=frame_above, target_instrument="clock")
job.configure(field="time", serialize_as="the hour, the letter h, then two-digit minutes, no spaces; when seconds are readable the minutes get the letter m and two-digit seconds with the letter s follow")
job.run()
10h37
